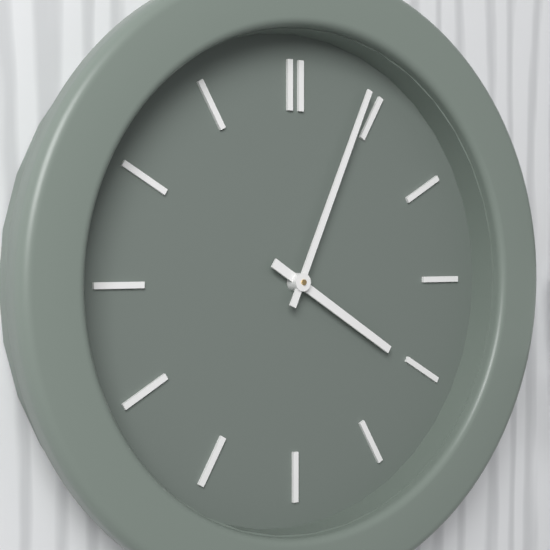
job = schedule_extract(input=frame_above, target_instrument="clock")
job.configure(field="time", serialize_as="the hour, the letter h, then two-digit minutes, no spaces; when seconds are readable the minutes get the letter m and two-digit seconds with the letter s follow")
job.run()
4h04
